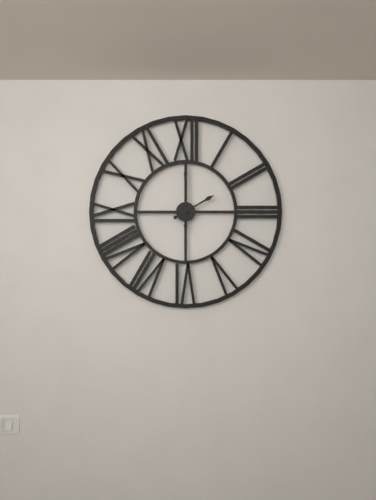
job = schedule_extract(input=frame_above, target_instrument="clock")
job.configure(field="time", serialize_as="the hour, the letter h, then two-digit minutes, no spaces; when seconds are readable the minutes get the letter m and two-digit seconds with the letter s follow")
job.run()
2h00
